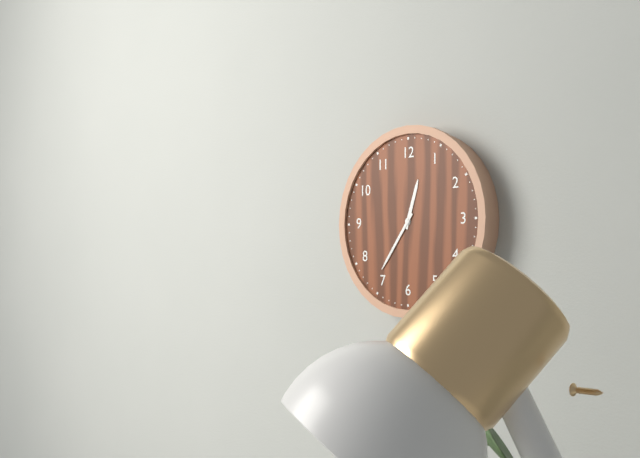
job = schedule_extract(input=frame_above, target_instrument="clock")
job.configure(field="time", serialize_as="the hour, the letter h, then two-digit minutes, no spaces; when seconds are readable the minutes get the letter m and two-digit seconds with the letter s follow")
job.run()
12h36
